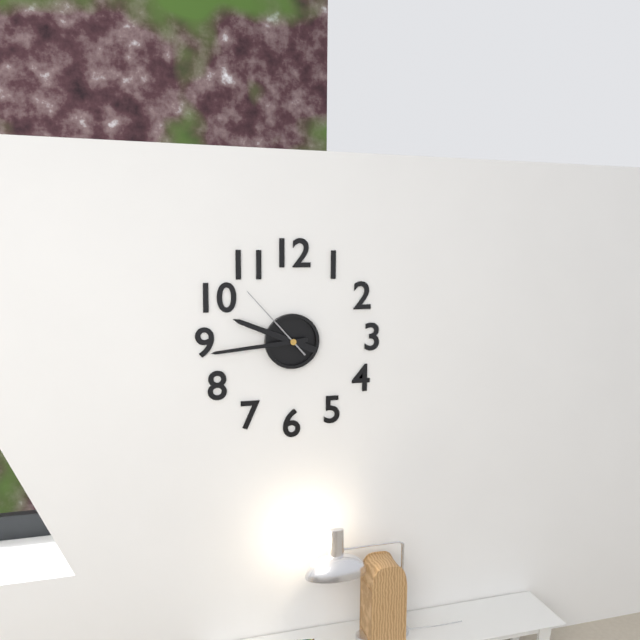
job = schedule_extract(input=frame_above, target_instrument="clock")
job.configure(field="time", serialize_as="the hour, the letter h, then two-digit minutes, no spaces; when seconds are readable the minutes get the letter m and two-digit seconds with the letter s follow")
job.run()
9h44m53s
